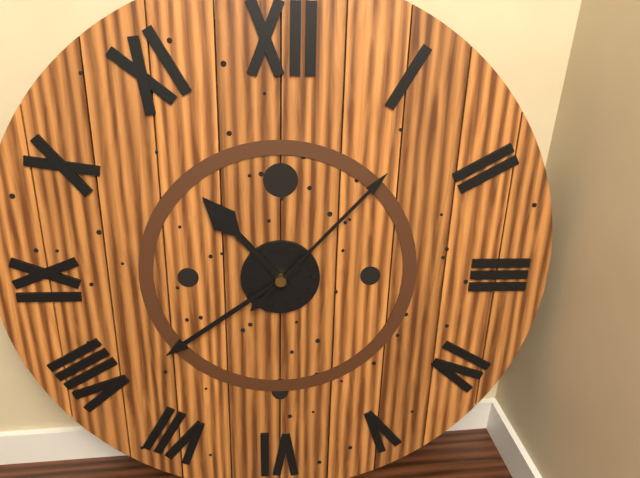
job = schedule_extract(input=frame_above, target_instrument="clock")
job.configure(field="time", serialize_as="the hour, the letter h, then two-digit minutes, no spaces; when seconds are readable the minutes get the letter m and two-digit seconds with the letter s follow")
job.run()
10h39m07s
